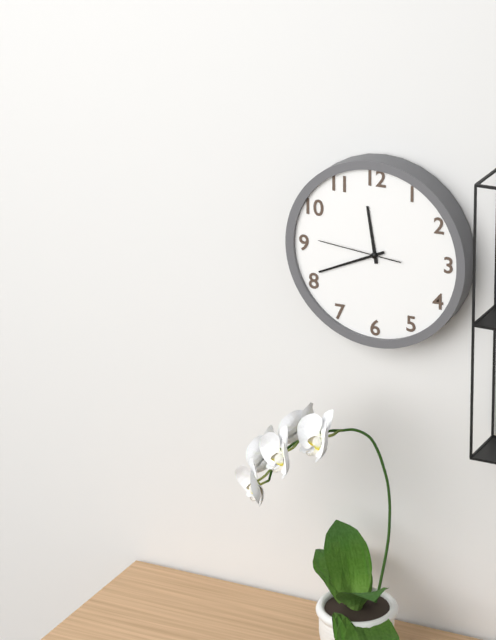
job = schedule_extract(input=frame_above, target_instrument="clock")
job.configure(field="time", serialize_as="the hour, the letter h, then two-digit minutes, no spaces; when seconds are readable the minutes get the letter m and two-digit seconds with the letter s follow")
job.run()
11h41m46s
